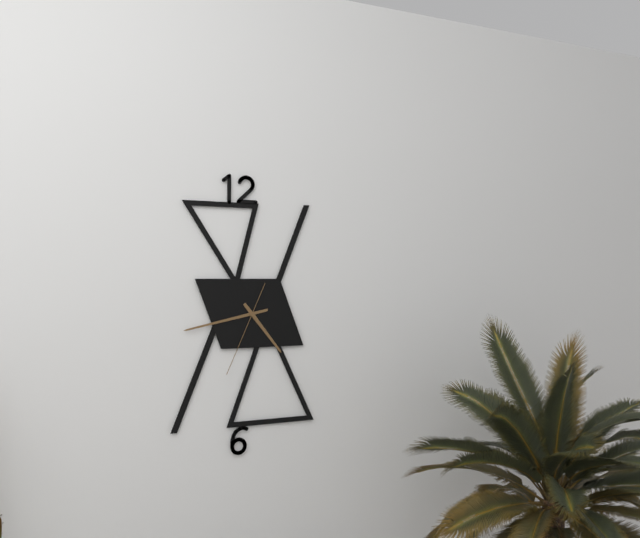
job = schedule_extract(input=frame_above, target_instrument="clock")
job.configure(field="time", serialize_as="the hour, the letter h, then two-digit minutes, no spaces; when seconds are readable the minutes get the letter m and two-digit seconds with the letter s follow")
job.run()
4h43m34s
